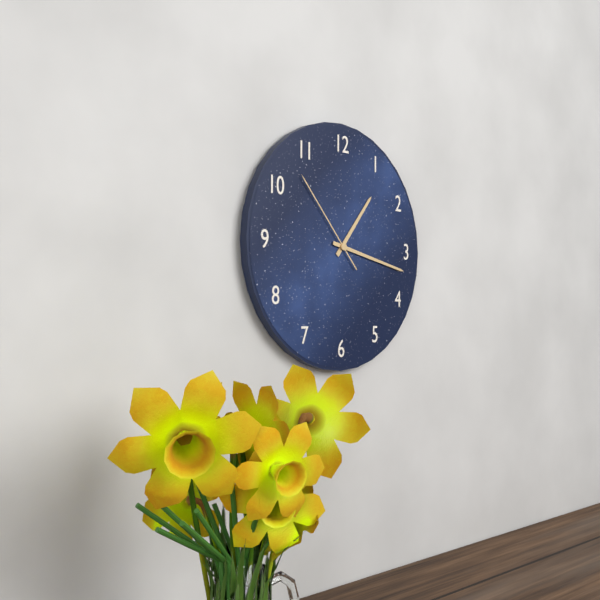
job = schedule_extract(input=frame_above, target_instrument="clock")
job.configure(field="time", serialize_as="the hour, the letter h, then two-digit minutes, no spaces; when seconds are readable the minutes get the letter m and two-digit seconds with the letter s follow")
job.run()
1h17m53s
